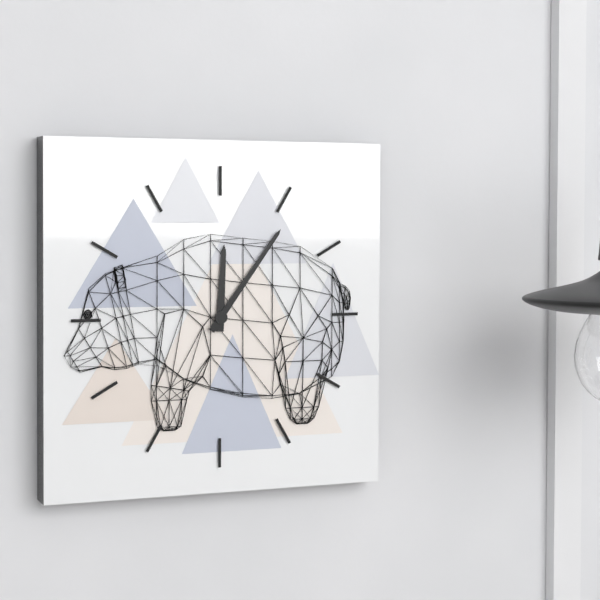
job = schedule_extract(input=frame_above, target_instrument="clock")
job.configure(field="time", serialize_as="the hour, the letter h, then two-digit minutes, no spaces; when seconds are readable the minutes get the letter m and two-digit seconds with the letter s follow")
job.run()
12h06
